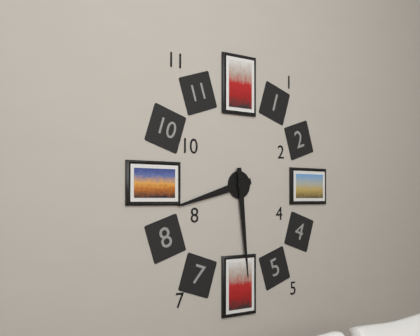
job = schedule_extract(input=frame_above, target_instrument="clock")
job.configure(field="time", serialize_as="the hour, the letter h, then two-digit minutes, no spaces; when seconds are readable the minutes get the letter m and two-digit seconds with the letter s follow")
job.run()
8h29
